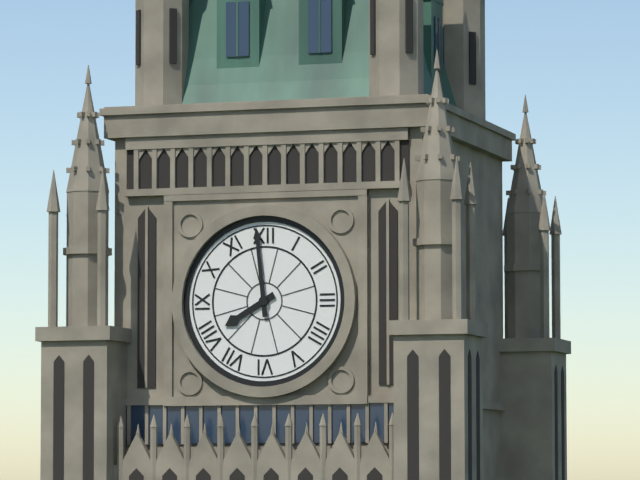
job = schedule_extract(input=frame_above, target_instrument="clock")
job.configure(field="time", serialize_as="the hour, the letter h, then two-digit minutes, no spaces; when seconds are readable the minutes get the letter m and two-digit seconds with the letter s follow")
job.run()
7h59
